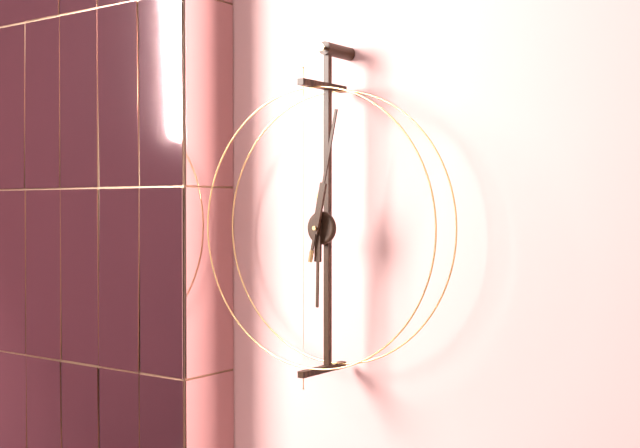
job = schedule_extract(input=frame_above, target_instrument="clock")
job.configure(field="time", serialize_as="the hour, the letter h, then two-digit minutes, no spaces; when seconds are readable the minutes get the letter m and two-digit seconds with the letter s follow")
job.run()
6h02
